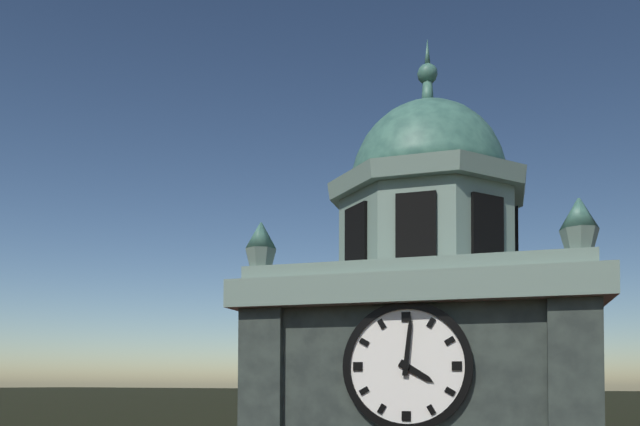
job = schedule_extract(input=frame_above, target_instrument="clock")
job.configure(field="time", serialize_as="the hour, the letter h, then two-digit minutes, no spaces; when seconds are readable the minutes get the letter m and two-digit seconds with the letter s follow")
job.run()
4h01
